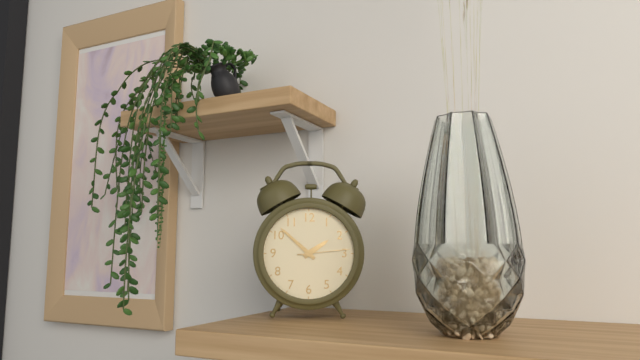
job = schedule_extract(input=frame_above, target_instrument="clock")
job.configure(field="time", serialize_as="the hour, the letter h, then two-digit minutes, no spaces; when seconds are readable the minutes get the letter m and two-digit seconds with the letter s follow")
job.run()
1h52m14s
